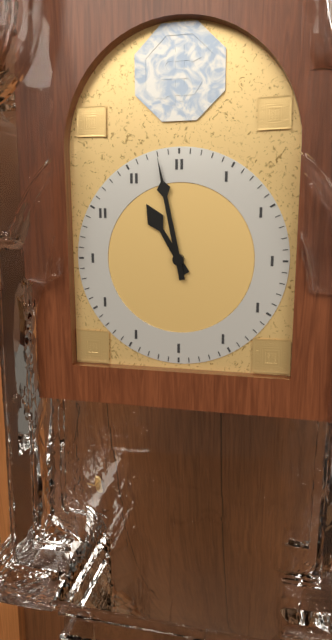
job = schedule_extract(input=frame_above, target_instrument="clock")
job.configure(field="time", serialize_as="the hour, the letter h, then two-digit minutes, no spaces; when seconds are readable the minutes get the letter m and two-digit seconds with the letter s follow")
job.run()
10h58
